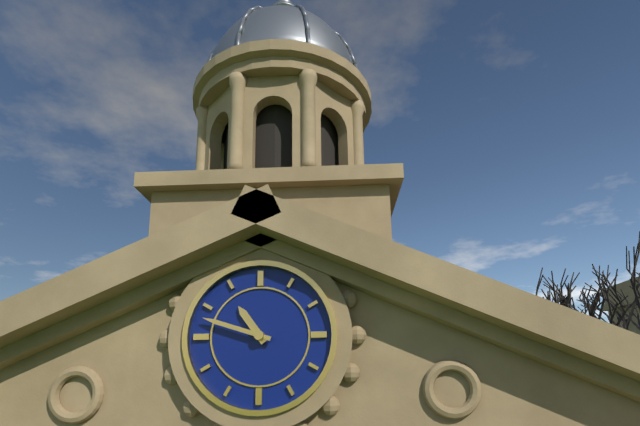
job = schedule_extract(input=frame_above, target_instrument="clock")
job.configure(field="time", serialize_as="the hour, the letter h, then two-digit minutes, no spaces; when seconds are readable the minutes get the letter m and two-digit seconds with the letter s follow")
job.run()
10h48
